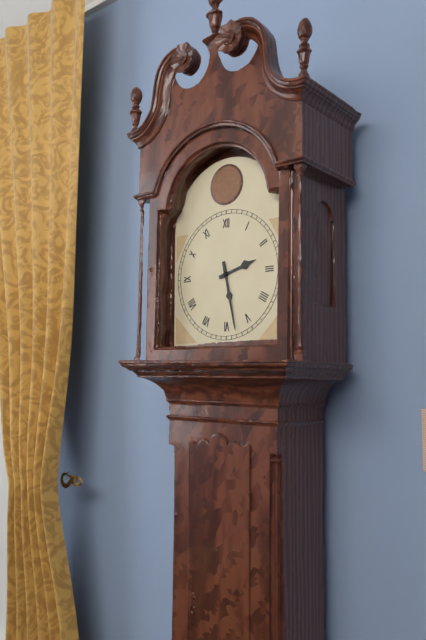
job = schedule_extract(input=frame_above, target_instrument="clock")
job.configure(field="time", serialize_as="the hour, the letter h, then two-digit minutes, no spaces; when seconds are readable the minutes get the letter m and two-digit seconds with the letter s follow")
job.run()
2h28
